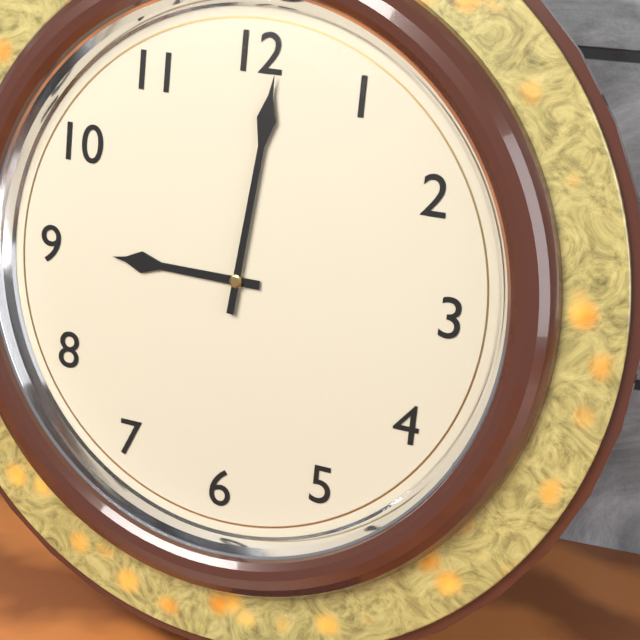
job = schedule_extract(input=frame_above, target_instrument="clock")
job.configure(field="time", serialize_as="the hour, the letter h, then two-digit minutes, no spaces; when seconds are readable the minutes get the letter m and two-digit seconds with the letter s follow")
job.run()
9h01
